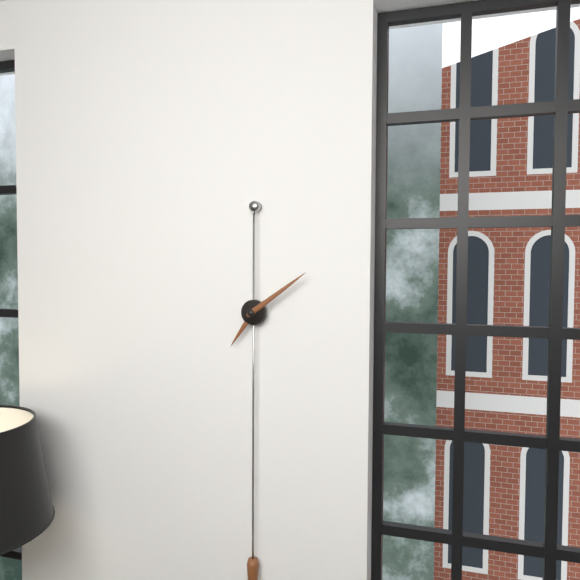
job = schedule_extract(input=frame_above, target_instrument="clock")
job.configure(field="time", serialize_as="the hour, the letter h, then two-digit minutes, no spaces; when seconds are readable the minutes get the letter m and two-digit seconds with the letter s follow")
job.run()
7h09
